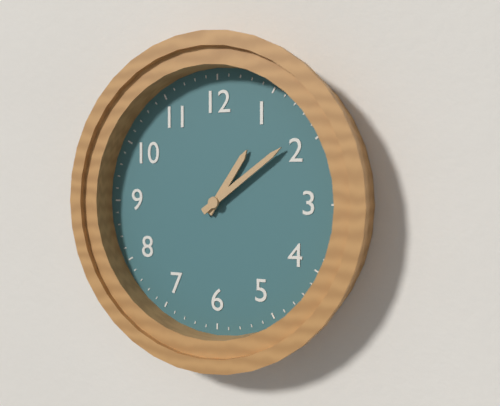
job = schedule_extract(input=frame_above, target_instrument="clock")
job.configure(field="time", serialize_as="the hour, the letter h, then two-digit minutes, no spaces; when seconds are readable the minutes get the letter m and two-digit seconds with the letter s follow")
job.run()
1h09
